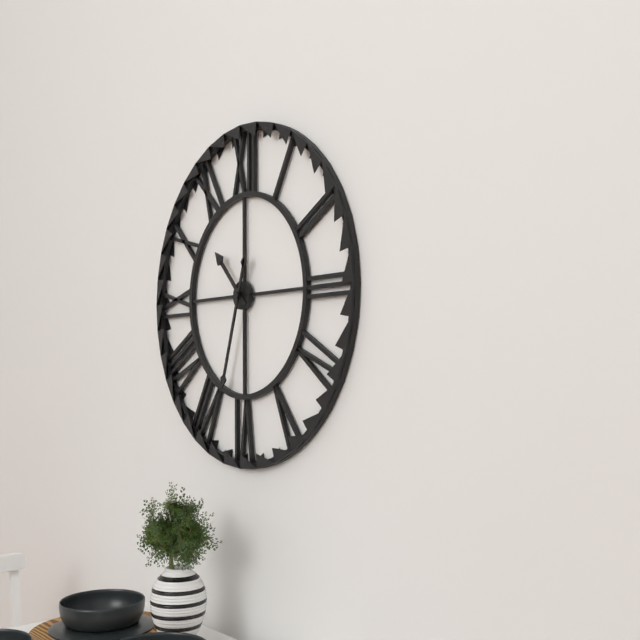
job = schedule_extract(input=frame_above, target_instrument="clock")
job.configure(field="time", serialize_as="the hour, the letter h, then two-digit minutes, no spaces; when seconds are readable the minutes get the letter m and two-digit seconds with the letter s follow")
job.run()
10h33
